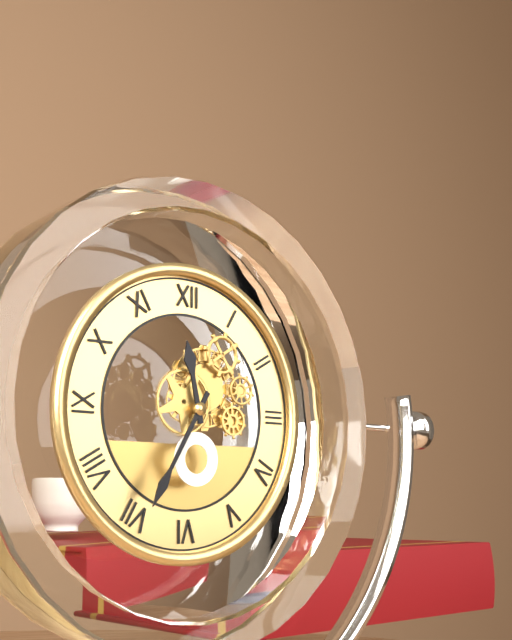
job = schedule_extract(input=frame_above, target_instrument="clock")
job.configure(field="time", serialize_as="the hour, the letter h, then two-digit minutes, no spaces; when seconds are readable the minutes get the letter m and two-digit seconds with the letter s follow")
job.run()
11h35
